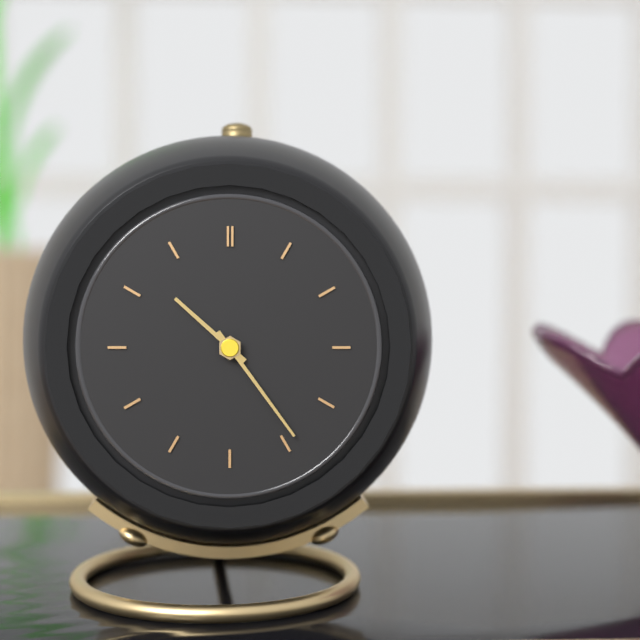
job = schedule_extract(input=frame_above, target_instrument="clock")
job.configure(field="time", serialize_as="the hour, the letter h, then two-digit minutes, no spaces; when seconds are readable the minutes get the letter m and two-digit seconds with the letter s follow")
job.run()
10h24
